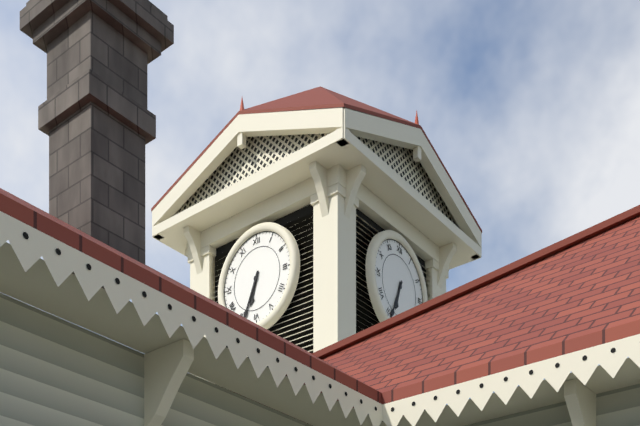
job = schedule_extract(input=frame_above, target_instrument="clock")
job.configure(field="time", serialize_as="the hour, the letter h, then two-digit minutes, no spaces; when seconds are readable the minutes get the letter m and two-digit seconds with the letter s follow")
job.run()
6h34
